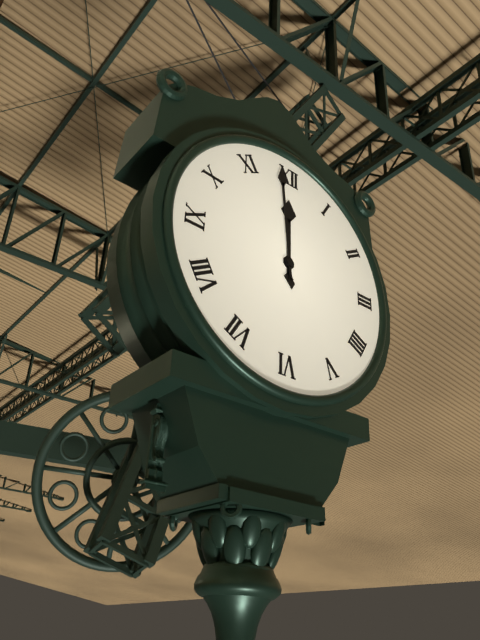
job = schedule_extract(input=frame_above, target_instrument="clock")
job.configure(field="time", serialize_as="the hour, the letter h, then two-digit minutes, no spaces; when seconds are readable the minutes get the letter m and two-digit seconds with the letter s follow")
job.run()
11h59
